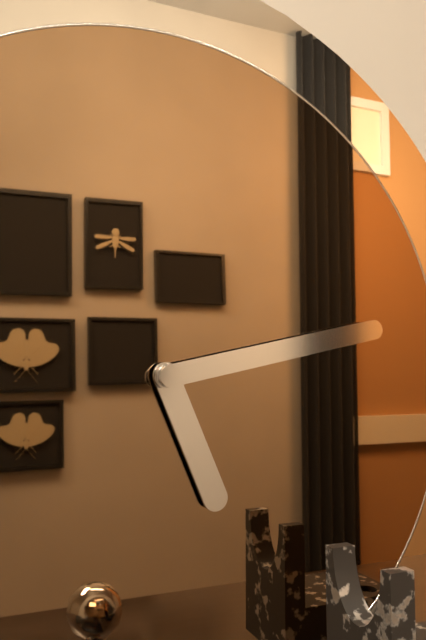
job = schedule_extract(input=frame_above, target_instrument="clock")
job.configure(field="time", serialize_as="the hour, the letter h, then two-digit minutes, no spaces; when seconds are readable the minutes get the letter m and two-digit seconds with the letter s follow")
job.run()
5h13
